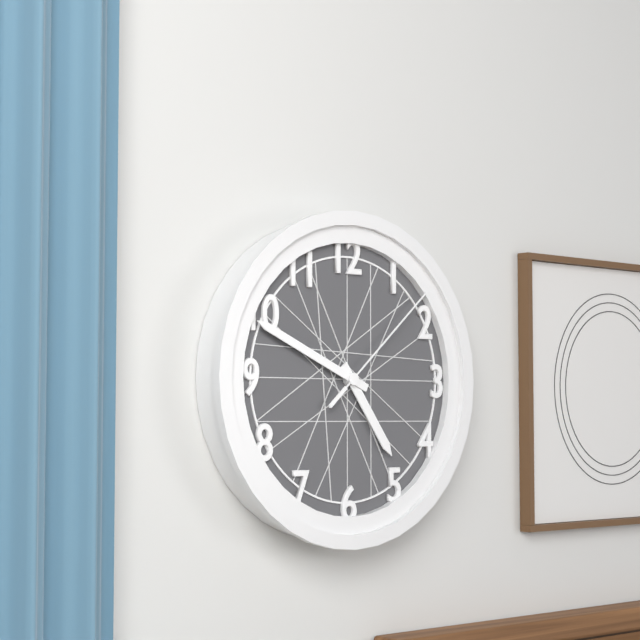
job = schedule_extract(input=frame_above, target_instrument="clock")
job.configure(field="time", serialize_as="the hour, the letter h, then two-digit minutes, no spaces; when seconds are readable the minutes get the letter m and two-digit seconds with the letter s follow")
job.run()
4h49m08s
